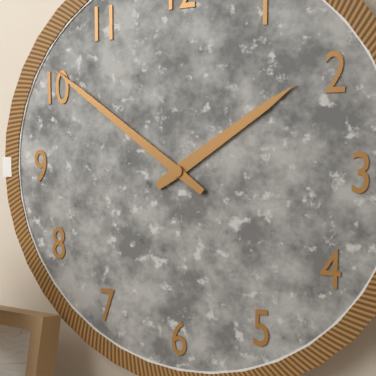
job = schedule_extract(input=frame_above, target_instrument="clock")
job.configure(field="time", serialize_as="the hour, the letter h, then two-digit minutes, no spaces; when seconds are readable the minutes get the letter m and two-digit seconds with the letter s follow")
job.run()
1h51
